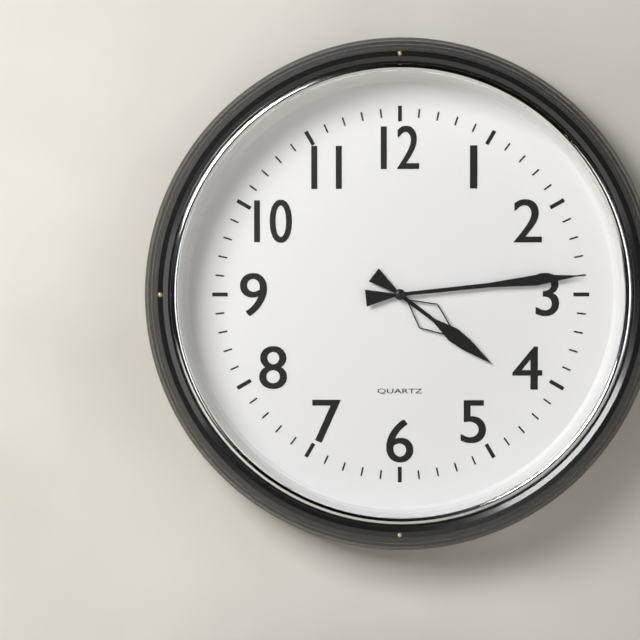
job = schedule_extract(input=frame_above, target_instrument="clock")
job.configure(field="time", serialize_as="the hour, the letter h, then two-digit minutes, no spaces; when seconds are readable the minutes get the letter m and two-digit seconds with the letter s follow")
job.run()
4h14
